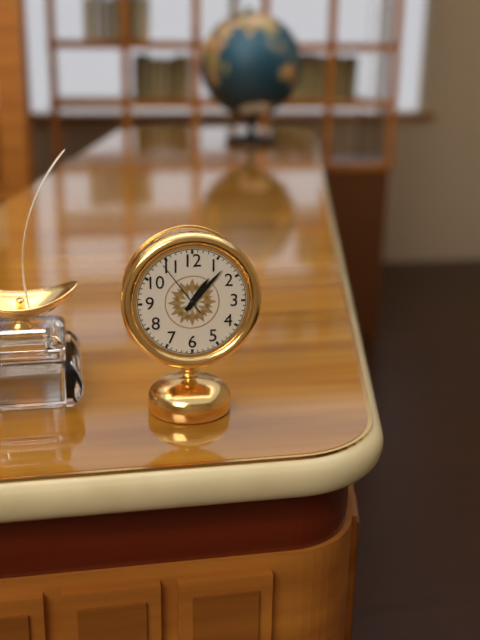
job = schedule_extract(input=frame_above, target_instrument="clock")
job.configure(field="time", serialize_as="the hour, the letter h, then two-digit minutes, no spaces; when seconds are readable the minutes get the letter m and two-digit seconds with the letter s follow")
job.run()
1h07m54s
